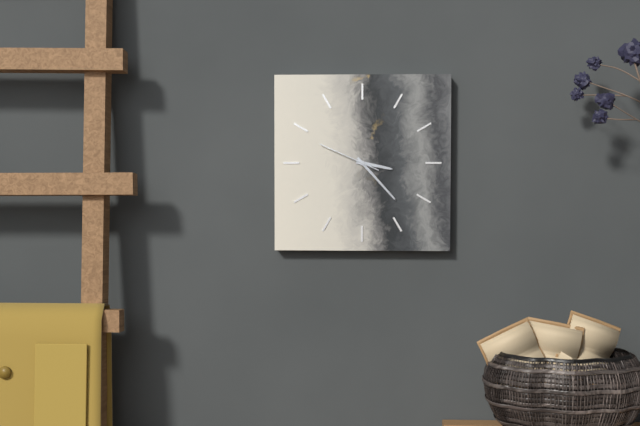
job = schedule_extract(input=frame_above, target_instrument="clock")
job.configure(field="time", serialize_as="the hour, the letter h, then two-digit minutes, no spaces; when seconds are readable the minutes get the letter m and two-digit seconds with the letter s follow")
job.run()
3h23m49s
